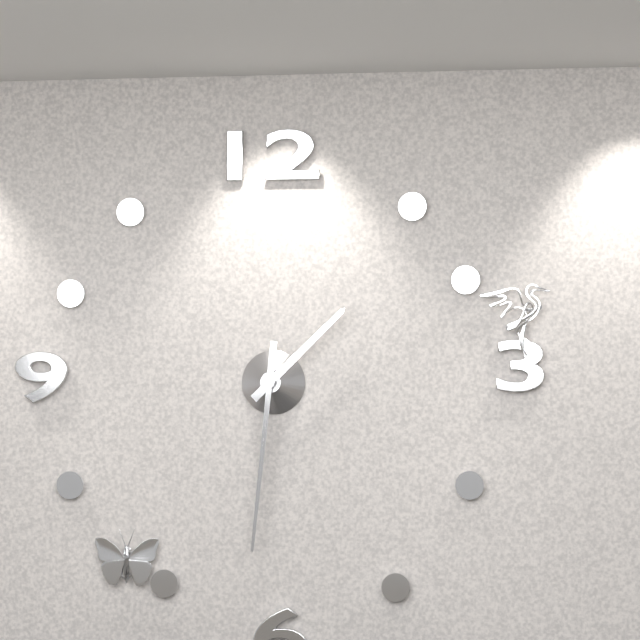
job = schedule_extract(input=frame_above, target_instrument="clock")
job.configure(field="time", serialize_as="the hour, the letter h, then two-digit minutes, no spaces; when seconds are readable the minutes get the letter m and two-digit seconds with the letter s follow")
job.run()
1h31
